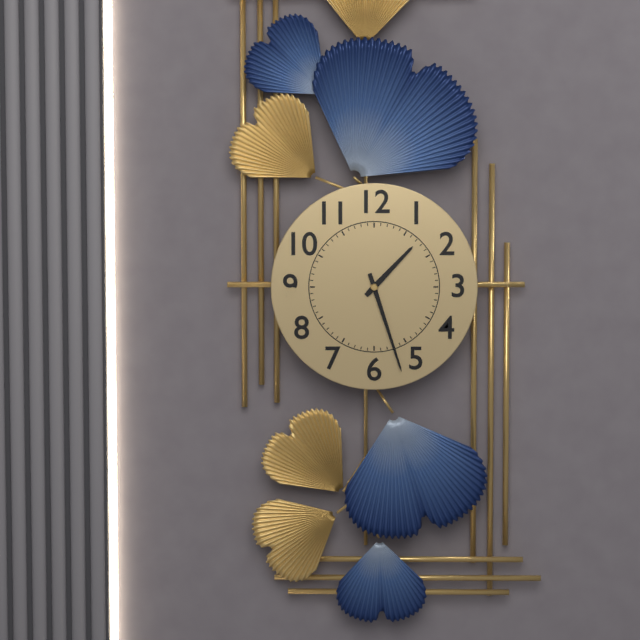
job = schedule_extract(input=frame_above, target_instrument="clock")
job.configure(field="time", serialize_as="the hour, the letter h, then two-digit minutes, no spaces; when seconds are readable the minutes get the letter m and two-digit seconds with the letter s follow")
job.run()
1h27
